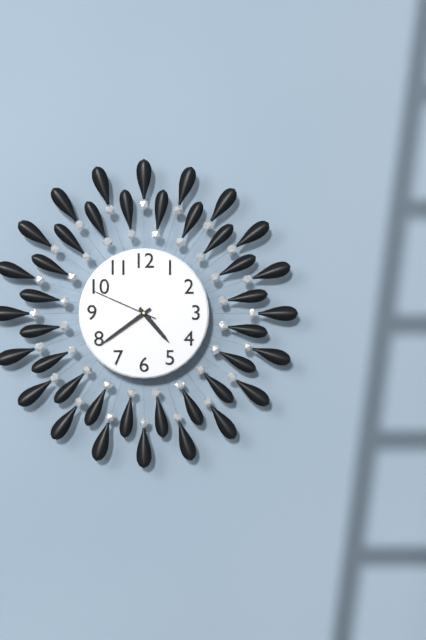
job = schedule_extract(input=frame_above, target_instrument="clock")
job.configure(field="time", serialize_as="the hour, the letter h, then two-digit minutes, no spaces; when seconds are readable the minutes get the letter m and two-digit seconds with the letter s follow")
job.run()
4h39m49s
